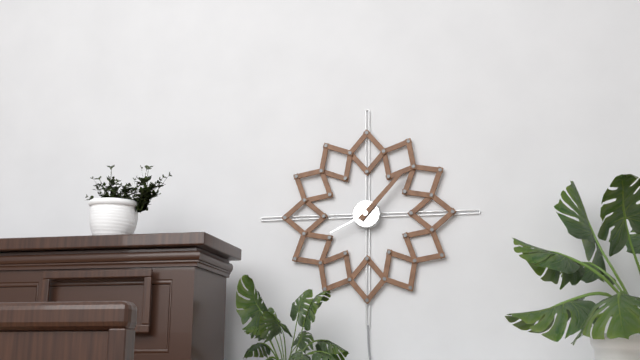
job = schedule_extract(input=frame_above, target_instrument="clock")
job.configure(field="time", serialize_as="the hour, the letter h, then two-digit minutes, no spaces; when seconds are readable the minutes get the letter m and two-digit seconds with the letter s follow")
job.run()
8h07
